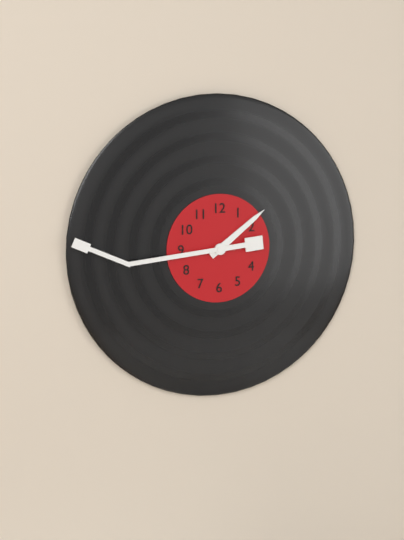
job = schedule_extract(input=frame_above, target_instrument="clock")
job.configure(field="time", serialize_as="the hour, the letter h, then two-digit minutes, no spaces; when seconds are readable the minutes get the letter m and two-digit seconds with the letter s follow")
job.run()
1h44
